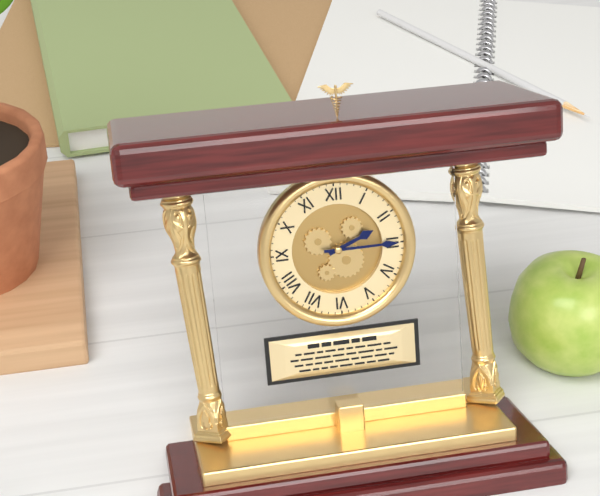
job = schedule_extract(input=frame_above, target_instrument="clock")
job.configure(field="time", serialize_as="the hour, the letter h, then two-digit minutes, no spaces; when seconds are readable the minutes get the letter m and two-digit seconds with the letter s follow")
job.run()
2h15
